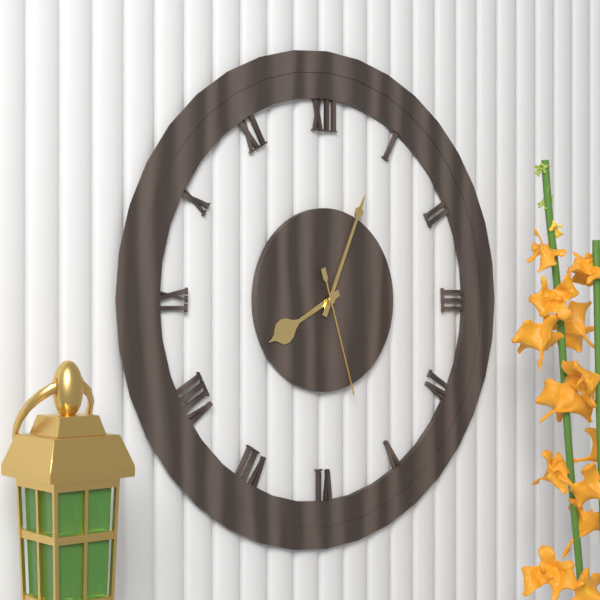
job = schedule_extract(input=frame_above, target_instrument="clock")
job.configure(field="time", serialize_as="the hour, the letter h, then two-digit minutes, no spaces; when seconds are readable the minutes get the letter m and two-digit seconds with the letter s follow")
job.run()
8h04m27s
